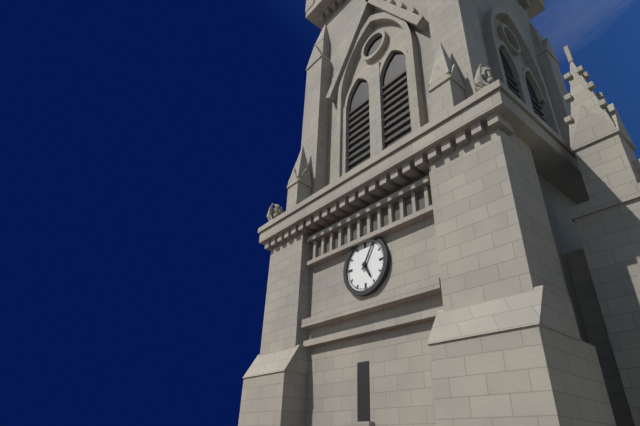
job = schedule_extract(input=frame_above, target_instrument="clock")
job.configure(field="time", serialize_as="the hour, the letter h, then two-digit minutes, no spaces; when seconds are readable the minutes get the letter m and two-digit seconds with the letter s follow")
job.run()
5h05
